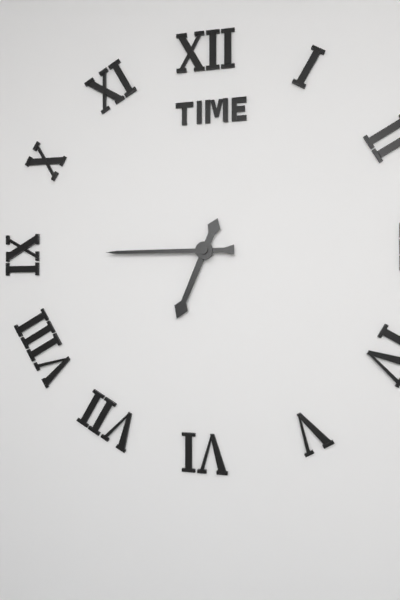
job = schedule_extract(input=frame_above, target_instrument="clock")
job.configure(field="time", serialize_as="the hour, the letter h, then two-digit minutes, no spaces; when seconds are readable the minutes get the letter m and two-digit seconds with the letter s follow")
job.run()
6h45
